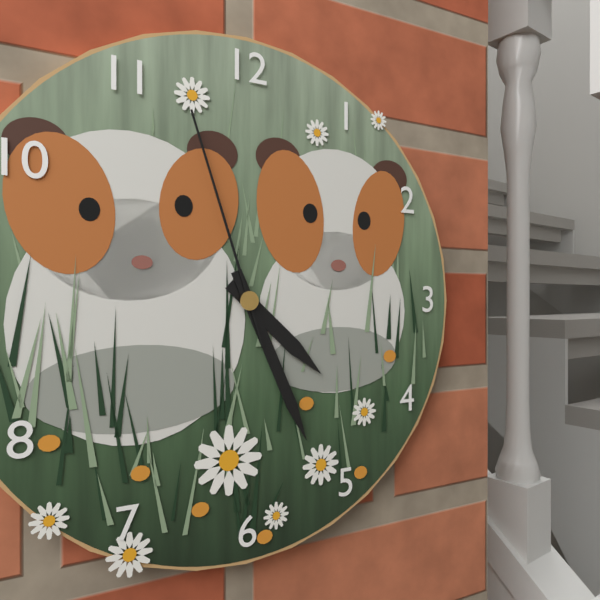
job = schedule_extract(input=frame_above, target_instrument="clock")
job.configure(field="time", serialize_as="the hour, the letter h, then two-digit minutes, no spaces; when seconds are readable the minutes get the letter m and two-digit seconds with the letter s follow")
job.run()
4h26m57s
